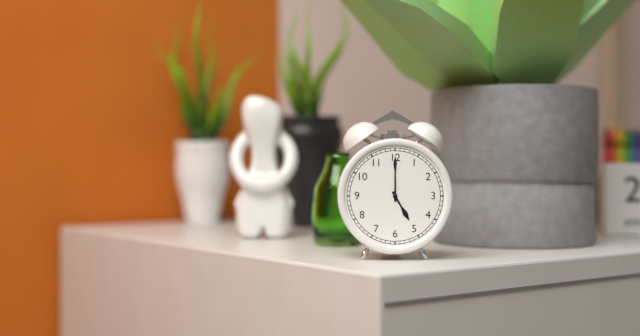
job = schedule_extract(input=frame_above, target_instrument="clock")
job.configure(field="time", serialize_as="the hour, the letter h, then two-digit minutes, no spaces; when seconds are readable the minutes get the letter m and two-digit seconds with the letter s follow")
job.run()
5h00
